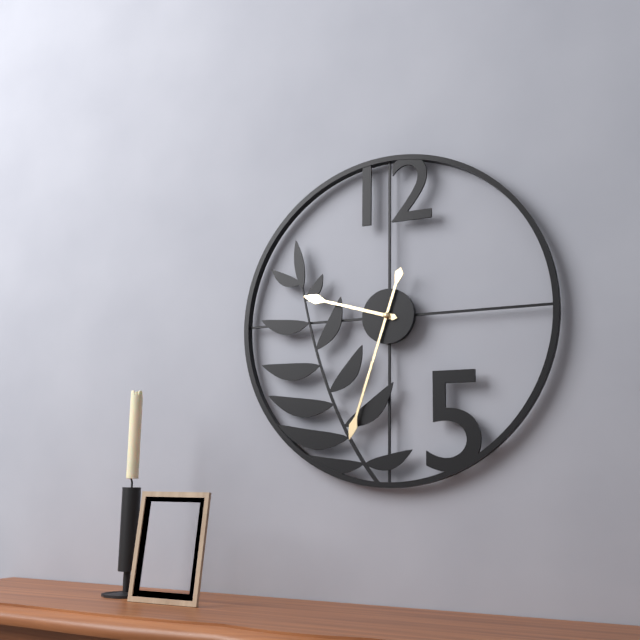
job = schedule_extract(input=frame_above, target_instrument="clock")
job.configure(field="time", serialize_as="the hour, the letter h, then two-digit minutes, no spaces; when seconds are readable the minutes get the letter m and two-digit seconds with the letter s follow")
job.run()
9h33
